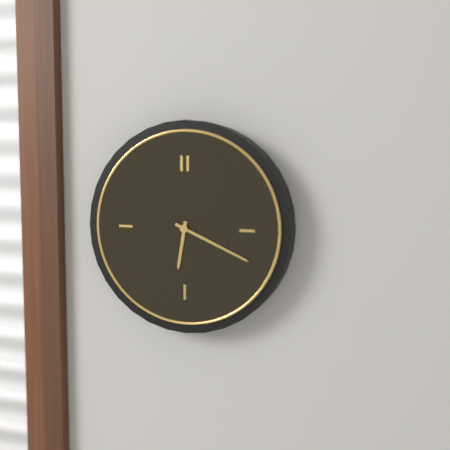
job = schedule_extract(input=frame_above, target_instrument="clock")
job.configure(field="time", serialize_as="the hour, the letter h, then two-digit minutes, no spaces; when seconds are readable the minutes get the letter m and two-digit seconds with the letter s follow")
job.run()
6h19
